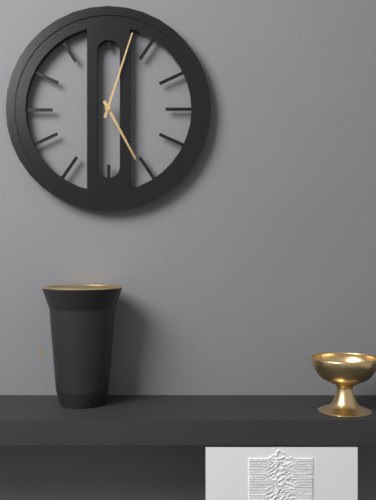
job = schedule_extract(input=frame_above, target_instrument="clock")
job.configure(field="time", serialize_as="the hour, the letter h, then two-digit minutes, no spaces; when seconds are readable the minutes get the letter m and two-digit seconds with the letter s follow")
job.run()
5h03
